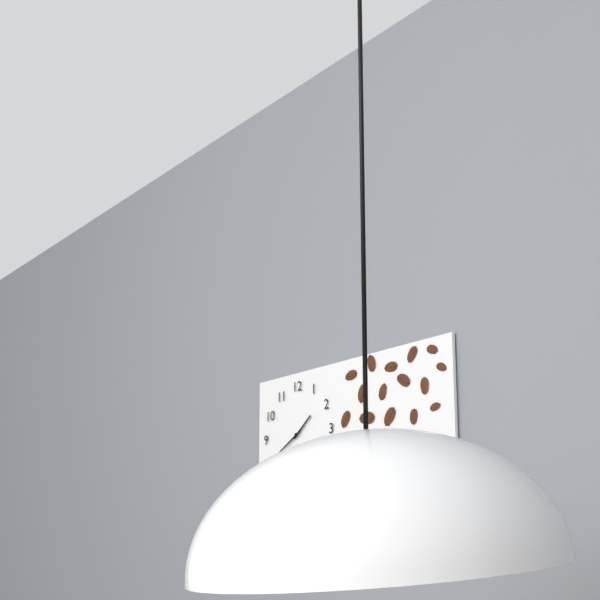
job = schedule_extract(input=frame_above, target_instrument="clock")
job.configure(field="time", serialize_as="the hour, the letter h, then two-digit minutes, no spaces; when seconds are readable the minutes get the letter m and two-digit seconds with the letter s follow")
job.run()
1h40
